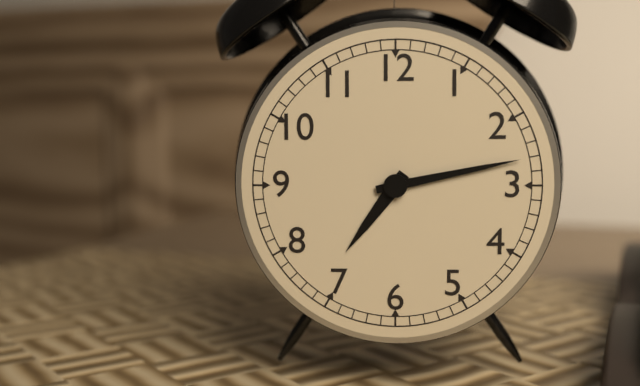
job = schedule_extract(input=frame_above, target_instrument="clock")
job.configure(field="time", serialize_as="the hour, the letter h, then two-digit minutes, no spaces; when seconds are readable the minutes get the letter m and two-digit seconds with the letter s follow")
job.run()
7h13
